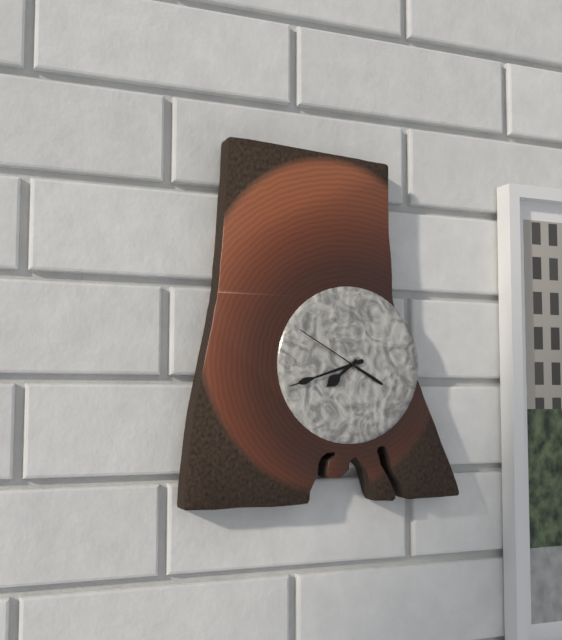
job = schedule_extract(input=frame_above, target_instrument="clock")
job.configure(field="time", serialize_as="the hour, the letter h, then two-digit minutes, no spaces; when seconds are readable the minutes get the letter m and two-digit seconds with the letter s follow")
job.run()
7h42m50s
